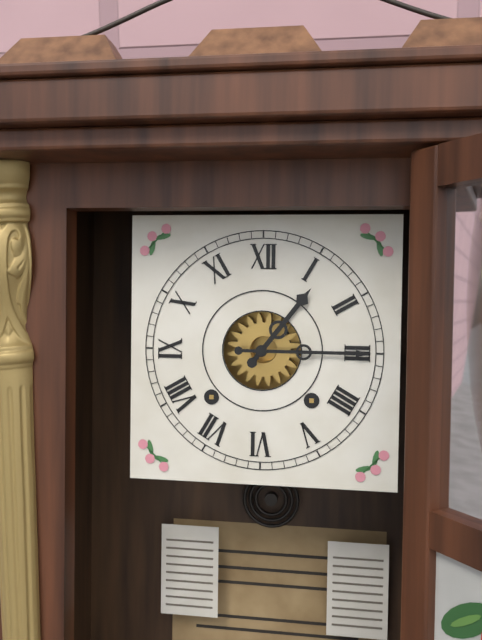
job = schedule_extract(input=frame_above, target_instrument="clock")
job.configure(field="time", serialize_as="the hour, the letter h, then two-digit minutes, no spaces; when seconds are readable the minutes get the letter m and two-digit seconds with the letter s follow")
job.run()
1h15
